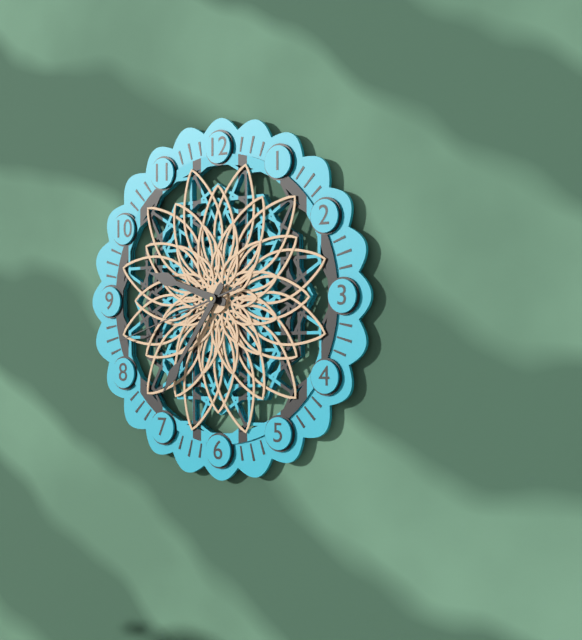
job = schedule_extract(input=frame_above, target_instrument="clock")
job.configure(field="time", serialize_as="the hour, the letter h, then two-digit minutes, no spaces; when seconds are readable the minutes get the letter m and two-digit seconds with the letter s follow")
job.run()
9h36m42s
